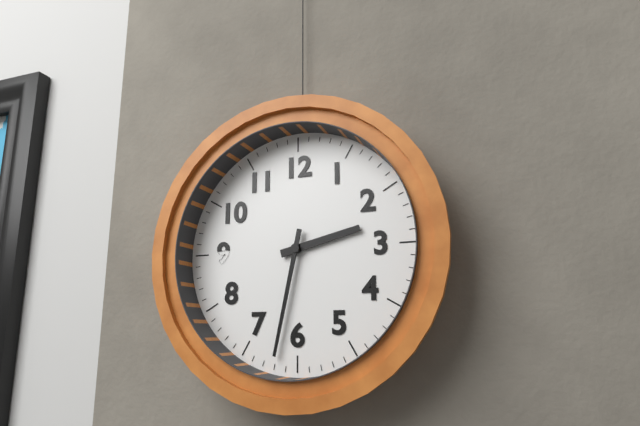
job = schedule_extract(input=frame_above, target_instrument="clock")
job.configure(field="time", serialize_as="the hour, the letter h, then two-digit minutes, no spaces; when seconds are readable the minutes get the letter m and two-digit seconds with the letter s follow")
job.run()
2h32
